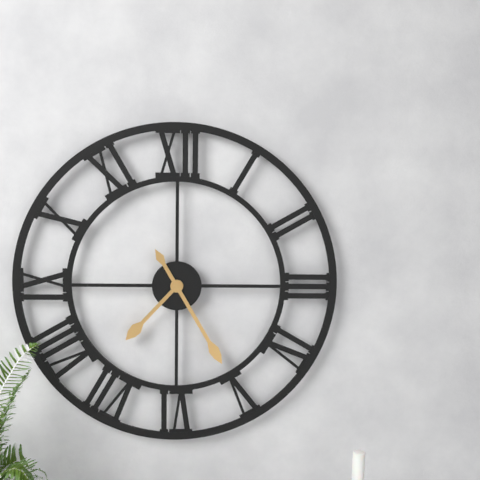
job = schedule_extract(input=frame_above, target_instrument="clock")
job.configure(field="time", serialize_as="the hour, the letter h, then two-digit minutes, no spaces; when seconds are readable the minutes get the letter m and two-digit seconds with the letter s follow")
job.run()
7h25
